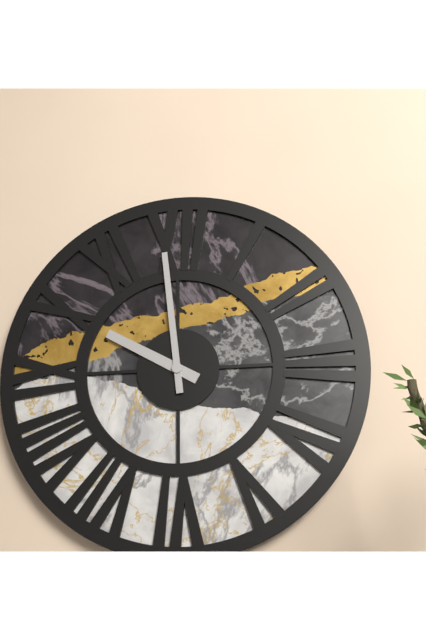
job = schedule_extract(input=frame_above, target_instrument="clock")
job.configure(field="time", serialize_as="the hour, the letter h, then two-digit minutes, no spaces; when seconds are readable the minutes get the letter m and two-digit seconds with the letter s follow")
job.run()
9h59
